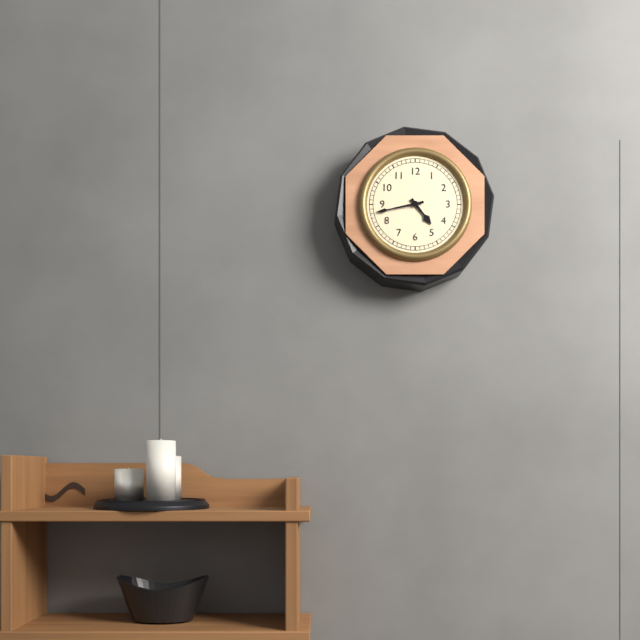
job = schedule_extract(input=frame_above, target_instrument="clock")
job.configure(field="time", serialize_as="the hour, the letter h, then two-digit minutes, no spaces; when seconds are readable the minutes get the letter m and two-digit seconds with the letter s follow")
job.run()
4h43
